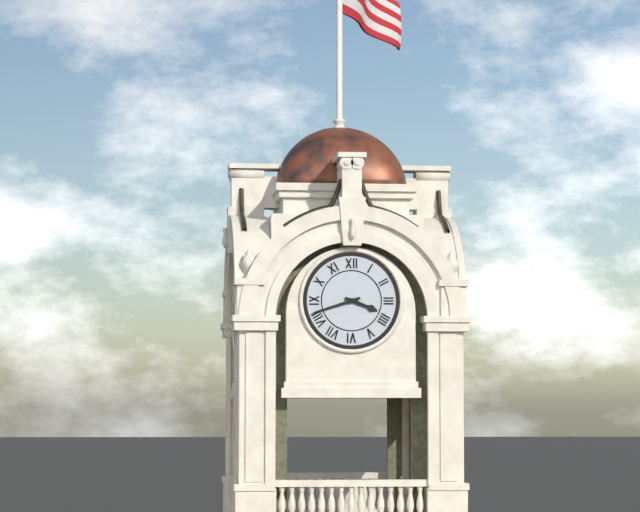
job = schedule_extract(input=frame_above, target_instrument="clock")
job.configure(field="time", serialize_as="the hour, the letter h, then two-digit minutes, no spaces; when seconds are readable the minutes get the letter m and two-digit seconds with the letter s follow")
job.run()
3h42
